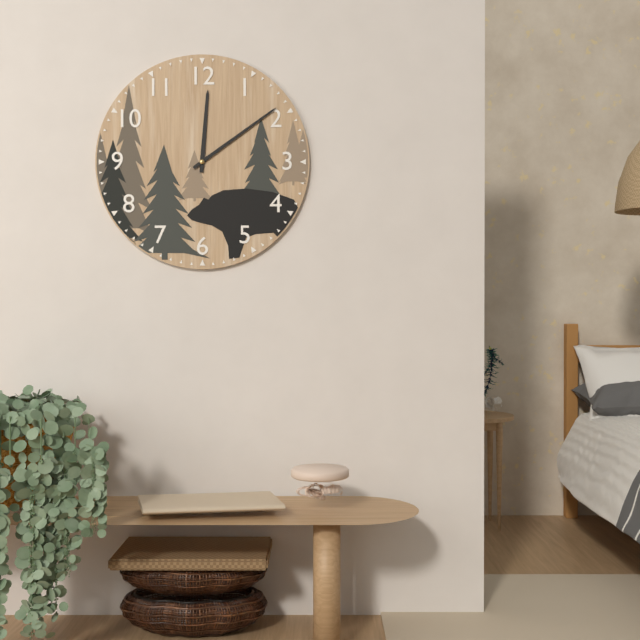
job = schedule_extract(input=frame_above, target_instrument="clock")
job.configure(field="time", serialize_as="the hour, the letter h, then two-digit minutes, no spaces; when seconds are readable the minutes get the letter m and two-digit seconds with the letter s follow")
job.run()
12h09
